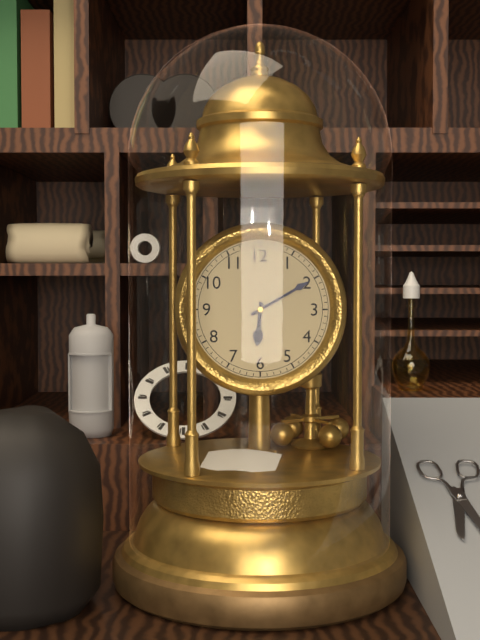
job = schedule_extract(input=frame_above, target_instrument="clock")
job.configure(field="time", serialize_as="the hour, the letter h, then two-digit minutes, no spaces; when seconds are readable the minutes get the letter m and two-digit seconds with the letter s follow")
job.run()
6h10
